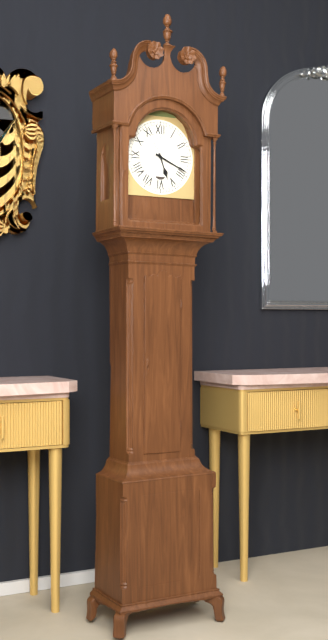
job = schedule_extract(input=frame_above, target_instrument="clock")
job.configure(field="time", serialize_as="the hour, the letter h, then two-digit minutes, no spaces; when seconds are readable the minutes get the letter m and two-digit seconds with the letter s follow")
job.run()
5h19
